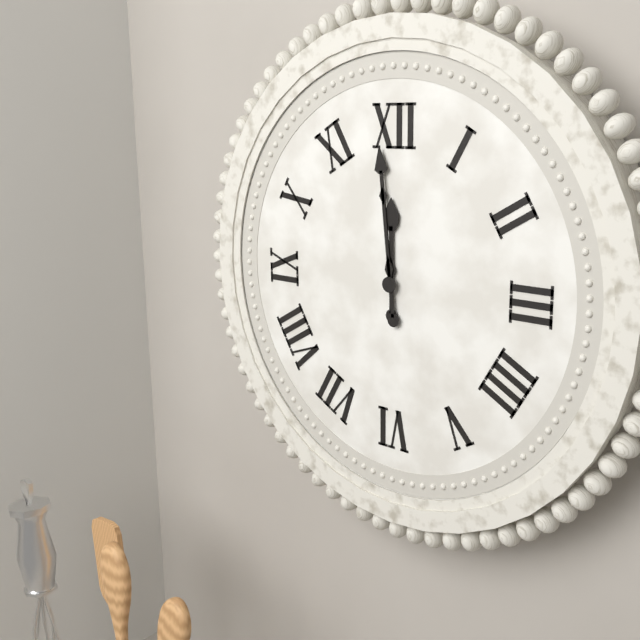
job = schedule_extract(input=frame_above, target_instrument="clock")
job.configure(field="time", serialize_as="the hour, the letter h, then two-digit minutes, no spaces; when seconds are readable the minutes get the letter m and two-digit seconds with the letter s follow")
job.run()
11h59
